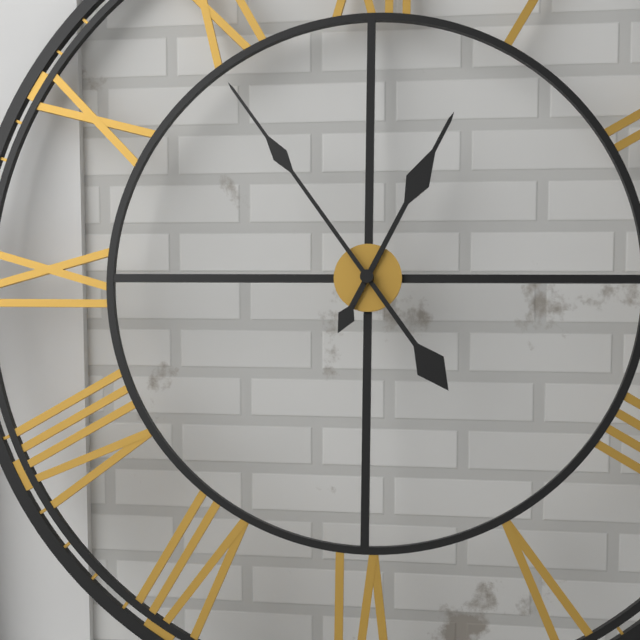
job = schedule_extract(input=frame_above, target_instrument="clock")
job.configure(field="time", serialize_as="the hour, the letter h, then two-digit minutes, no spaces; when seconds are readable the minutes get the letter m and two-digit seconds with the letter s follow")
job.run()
12h54
